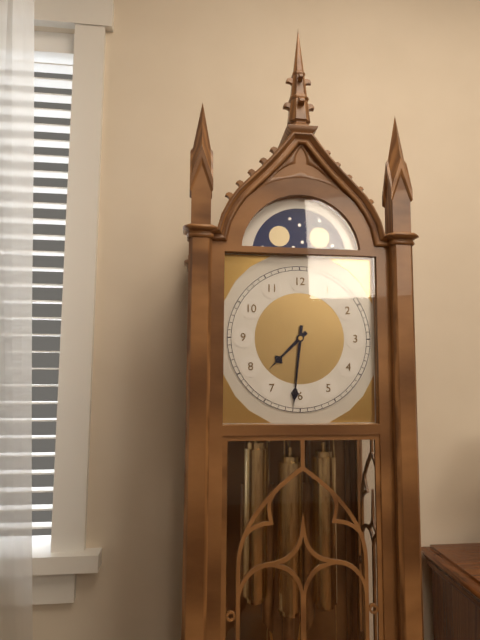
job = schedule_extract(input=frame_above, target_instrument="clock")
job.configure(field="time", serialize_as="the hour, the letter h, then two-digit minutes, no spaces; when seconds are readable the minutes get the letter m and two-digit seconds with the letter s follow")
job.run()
7h31
